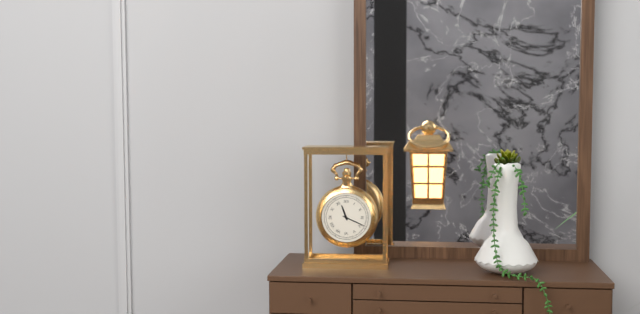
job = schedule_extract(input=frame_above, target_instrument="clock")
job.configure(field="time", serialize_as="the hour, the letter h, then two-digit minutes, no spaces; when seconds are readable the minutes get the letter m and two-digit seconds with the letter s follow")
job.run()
11h19
